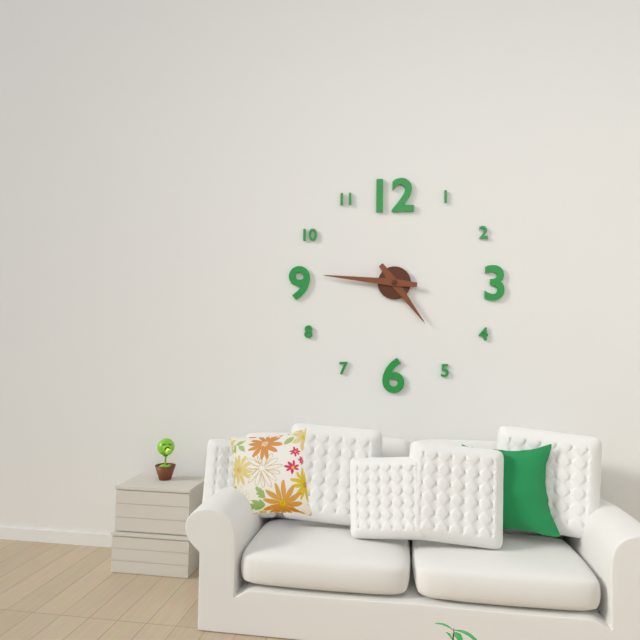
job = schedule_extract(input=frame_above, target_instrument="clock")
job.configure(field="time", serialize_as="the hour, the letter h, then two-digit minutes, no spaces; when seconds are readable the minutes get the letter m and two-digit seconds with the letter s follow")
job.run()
4h46
